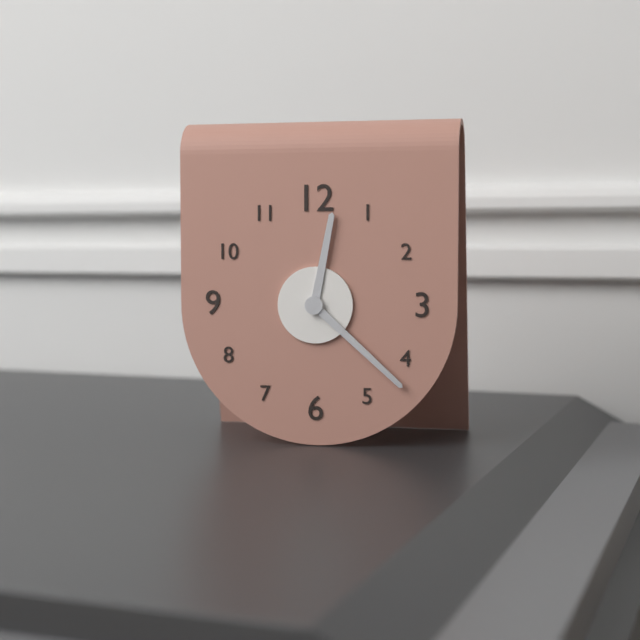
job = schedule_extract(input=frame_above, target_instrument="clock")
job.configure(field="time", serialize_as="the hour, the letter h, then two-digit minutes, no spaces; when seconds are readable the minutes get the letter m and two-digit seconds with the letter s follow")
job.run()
12h22
